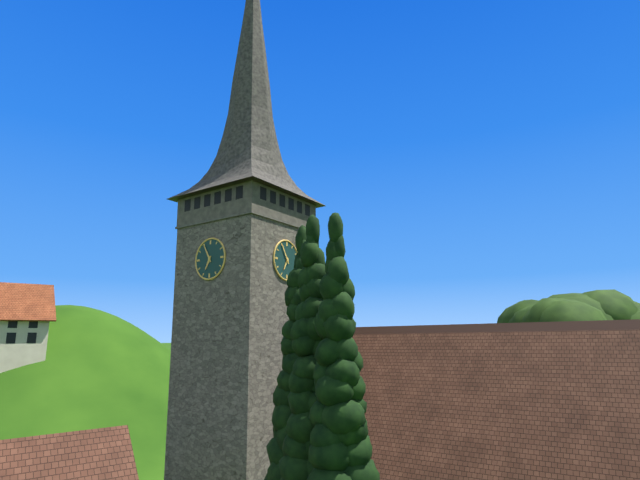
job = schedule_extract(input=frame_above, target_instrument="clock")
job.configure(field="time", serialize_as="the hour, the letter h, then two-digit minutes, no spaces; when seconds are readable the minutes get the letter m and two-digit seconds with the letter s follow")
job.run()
6h55
